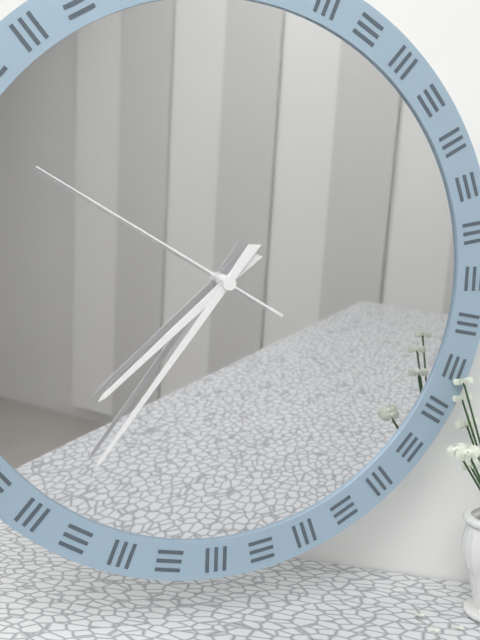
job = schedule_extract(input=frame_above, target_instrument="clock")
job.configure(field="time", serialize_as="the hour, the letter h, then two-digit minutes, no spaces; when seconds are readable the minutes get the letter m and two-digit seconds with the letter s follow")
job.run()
7h36m50s
